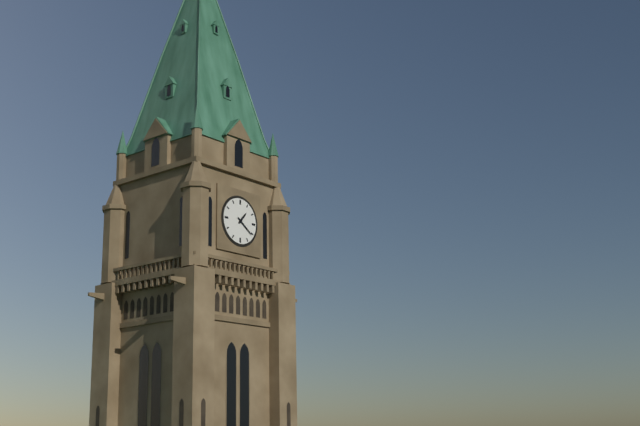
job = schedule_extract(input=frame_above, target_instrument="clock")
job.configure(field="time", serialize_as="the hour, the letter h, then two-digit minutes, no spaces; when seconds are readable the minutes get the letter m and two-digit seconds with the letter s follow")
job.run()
1h21
